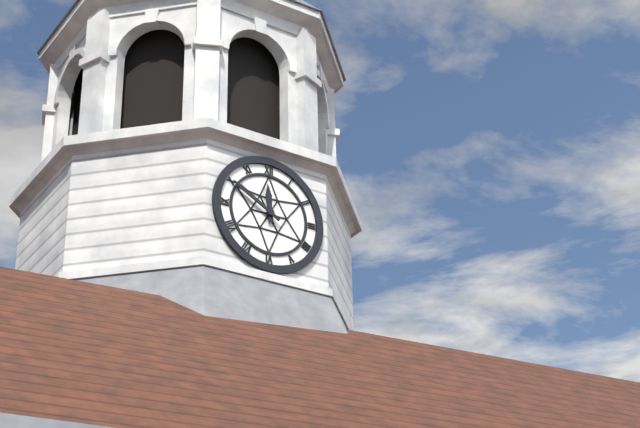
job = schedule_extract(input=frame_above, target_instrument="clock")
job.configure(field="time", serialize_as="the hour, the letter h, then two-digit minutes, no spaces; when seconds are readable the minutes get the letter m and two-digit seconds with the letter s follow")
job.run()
11h50
